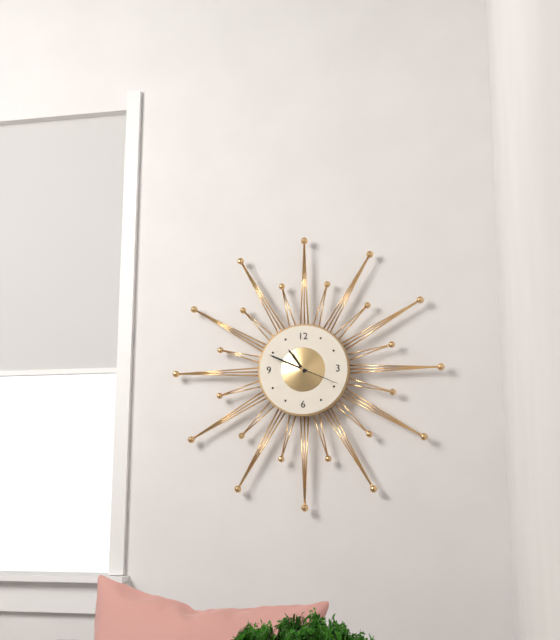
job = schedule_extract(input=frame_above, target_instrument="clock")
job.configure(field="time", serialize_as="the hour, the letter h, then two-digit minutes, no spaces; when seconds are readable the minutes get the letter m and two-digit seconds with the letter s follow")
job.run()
10h49
